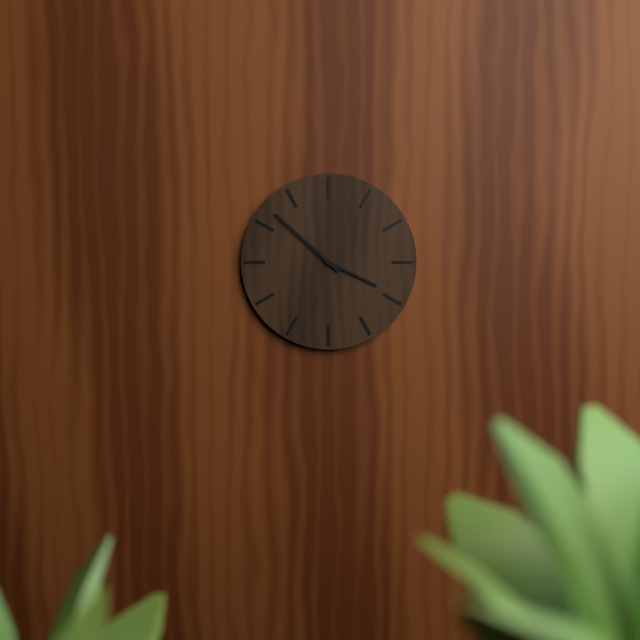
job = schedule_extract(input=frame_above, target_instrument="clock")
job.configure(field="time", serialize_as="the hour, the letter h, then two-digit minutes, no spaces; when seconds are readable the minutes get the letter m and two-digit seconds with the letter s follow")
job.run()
3h52
